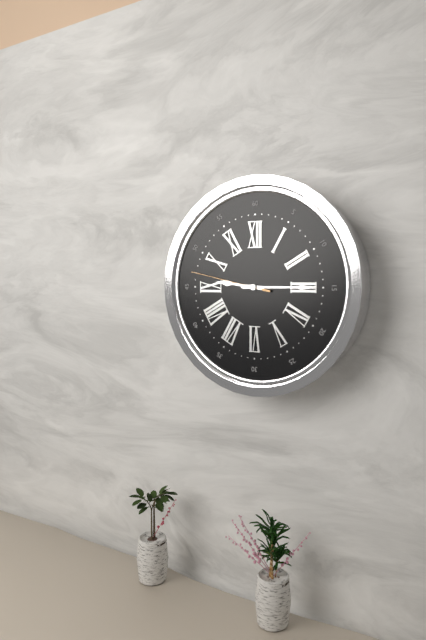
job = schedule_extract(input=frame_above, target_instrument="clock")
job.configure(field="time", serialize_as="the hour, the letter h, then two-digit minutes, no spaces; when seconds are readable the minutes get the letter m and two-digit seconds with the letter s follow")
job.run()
9h15m47s
